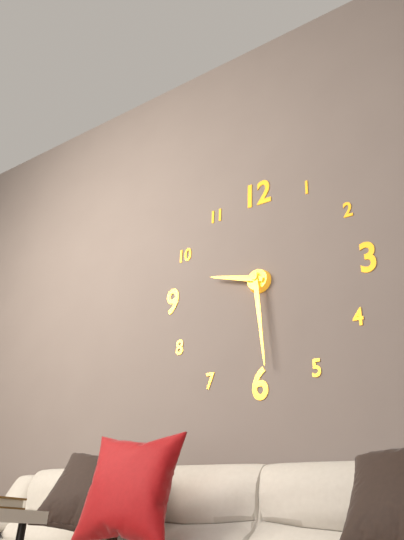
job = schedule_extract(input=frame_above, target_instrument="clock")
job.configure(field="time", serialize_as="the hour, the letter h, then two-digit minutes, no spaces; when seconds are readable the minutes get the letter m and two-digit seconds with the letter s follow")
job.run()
9h29
